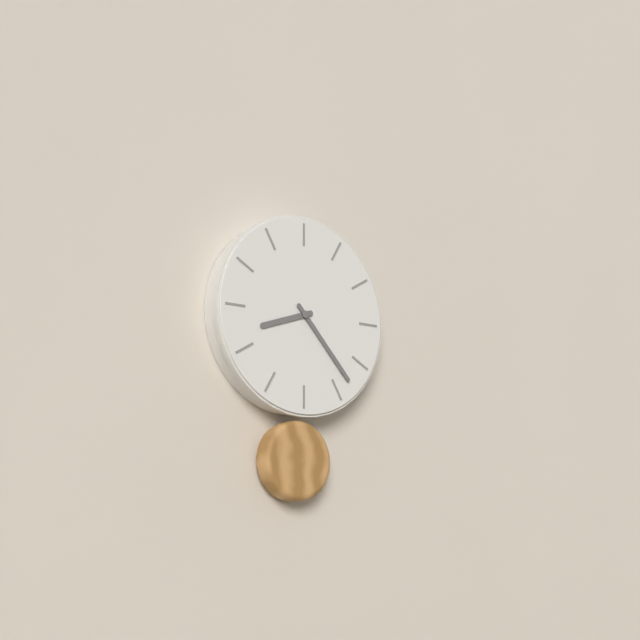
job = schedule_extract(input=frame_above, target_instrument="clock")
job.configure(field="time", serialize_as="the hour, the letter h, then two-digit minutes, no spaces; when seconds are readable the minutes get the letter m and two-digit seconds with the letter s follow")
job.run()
8h23
